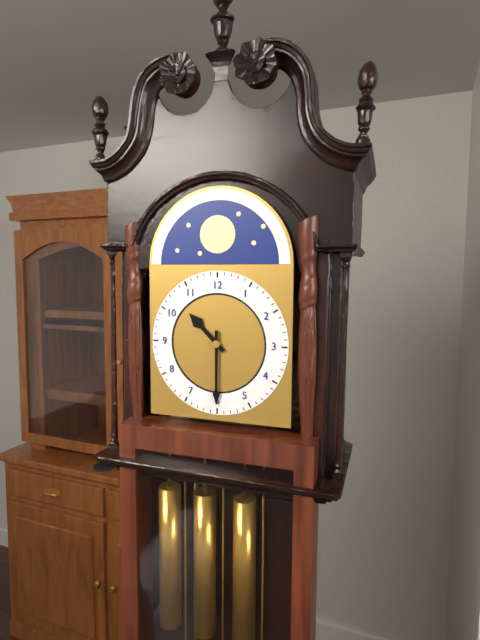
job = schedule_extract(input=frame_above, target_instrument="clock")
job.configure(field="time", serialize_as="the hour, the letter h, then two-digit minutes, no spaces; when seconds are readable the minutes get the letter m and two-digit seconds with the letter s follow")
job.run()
10h30
